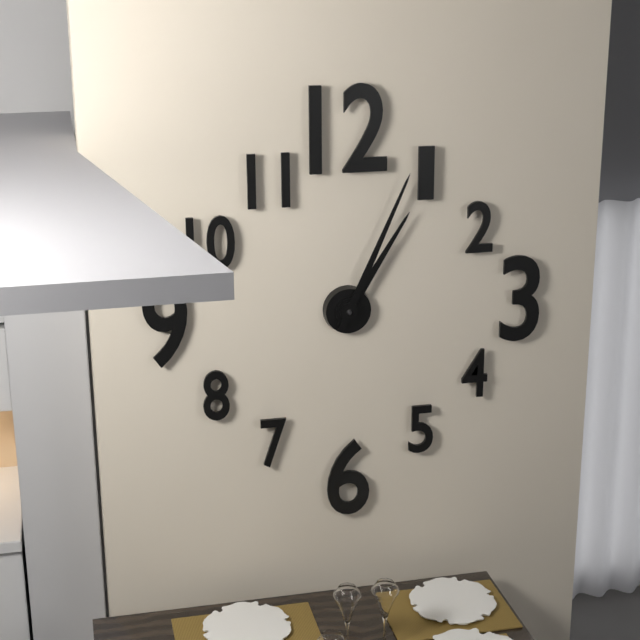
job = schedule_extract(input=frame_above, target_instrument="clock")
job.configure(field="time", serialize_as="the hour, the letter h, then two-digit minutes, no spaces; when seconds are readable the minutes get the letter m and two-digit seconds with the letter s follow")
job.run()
1h04
